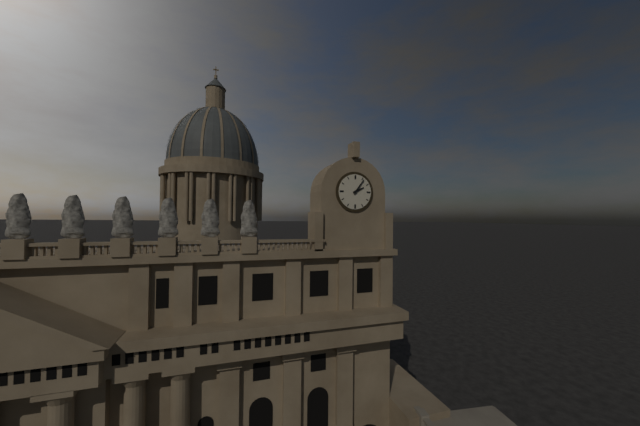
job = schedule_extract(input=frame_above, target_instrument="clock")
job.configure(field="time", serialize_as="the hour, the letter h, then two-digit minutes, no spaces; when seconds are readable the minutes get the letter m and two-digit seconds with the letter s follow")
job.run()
2h06
